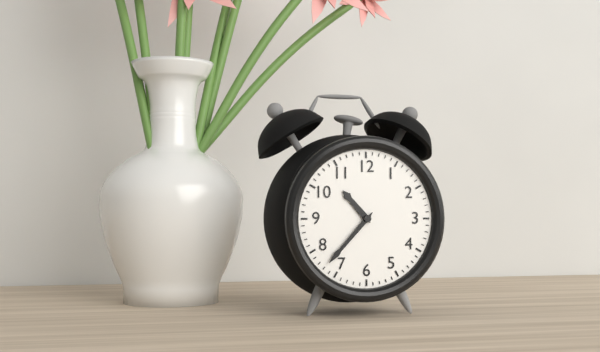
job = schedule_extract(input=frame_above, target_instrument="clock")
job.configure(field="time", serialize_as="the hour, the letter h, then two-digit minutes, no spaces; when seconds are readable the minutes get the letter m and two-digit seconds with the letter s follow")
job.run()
10h37
